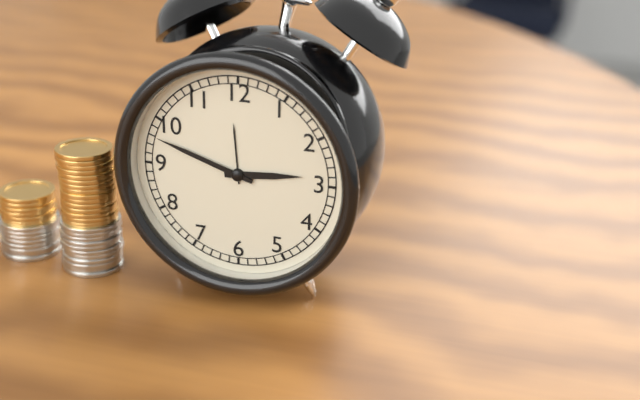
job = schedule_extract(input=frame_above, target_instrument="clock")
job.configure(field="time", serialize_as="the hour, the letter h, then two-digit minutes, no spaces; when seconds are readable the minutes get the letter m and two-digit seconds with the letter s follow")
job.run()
2h48
